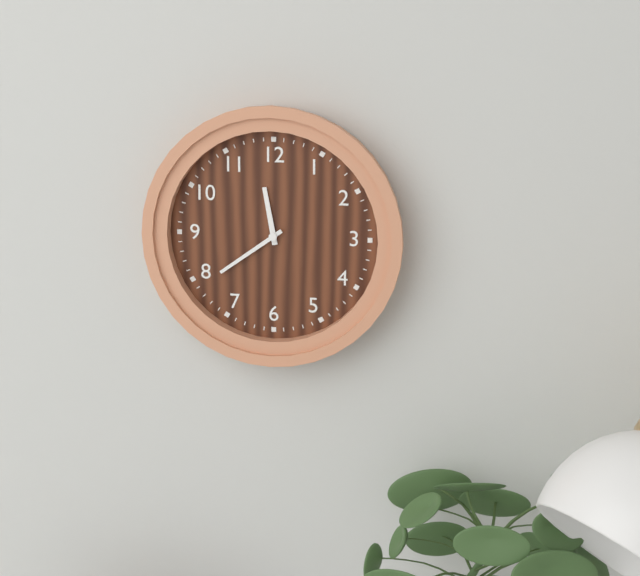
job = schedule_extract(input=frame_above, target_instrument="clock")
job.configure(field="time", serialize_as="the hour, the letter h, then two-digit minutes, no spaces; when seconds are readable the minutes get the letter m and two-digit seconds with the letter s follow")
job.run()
11h39
